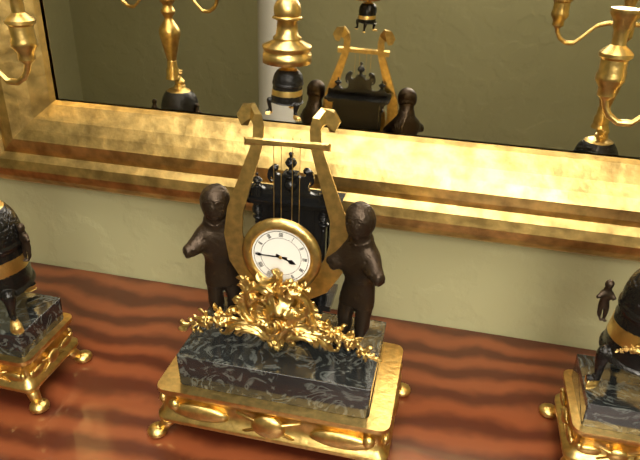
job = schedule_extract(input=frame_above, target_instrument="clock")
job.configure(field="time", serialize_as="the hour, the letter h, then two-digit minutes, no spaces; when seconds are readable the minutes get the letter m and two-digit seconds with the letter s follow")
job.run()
3h45
